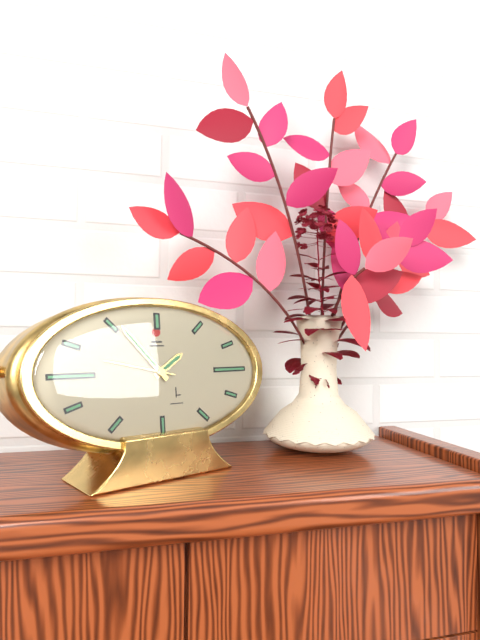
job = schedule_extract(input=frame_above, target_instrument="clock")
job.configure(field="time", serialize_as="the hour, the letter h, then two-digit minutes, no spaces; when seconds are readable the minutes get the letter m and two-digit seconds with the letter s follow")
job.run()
1h53m47s
